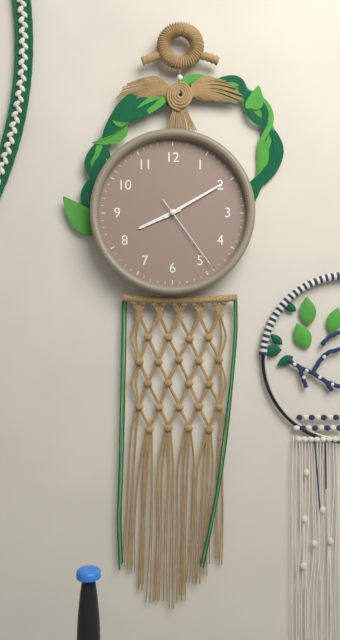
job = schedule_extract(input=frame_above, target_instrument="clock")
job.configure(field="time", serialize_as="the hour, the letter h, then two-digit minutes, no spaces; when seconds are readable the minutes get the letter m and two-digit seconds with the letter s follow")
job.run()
8h10m24s
